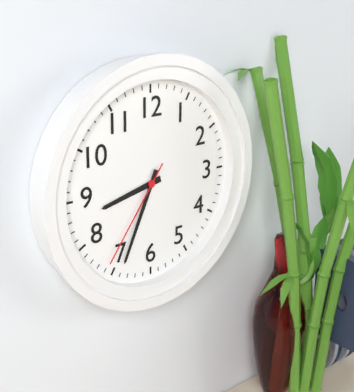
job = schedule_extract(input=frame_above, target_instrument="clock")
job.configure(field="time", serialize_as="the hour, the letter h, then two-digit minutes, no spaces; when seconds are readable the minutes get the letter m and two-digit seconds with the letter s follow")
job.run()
8h34m36s
